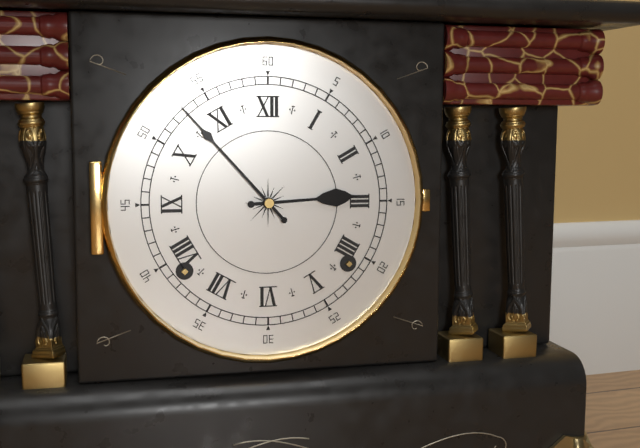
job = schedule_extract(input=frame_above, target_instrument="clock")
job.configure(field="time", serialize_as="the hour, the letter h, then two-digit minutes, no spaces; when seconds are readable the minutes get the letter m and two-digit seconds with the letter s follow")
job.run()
2h53
